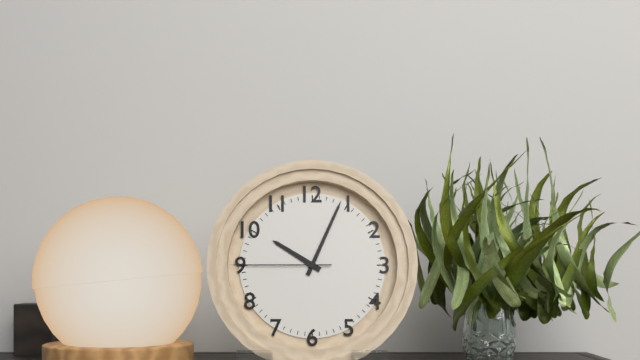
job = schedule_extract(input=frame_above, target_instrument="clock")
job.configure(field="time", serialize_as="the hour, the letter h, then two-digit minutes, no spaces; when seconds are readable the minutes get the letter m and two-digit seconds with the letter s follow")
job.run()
10h04m45s
